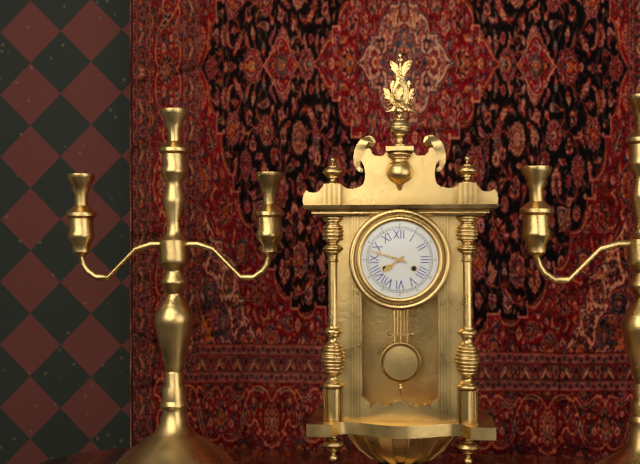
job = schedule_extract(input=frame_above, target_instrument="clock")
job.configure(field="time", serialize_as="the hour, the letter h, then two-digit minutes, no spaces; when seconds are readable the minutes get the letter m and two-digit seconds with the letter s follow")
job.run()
7h48
